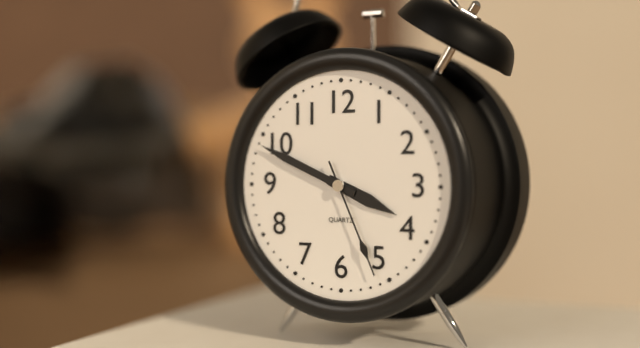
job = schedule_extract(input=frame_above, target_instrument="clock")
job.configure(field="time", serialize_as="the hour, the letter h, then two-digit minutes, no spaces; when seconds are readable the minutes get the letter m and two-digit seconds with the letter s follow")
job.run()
3h49m26s
